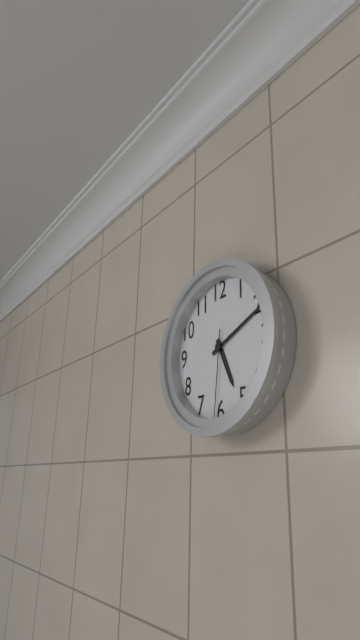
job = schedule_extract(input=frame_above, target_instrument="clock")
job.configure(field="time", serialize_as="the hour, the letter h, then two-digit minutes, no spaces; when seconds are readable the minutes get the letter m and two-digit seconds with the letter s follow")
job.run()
5h11m31s
